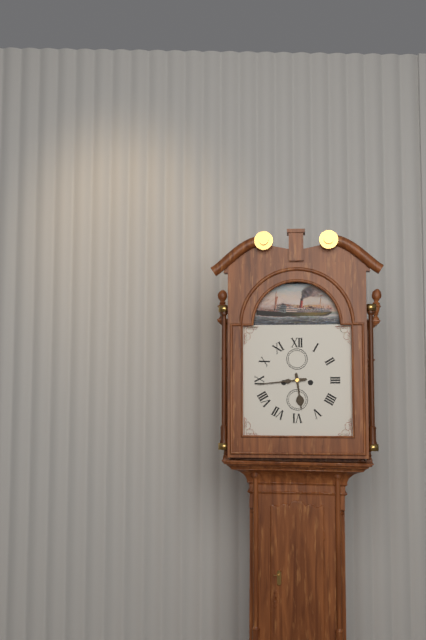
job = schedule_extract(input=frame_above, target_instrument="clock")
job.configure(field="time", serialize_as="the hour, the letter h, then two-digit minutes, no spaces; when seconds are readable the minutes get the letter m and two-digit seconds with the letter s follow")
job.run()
5h44
